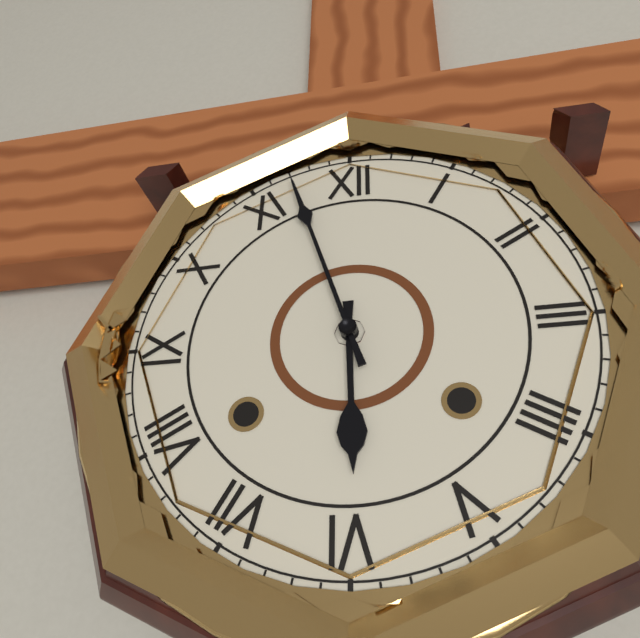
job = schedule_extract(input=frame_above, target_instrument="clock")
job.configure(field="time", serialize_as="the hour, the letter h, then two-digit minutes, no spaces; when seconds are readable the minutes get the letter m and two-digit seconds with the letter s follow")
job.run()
5h57
